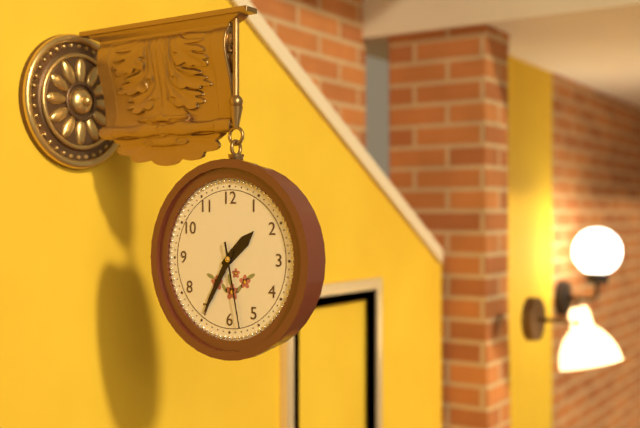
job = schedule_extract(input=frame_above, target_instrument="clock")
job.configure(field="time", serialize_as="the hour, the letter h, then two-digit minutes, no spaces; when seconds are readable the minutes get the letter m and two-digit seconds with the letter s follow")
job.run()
1h35m28s
